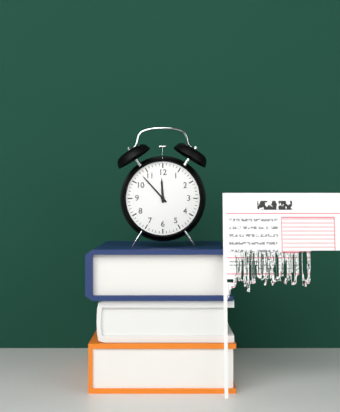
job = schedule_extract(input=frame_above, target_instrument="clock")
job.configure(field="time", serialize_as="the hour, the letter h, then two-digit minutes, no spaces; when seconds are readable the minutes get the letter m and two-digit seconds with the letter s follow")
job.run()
11h53
